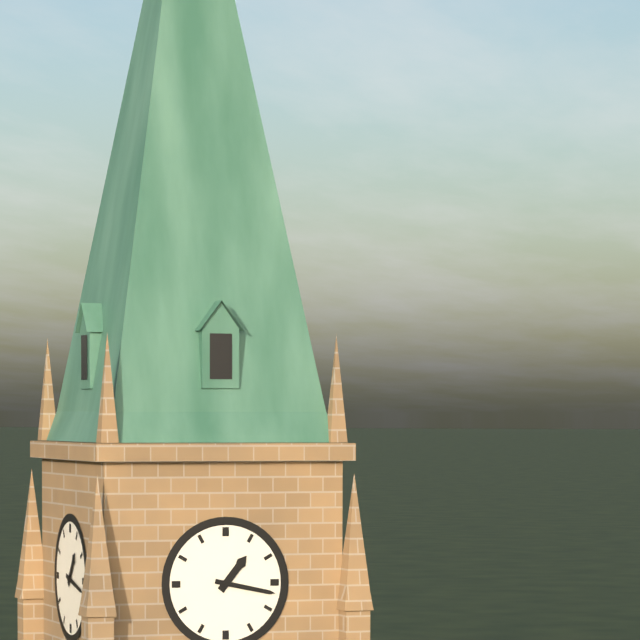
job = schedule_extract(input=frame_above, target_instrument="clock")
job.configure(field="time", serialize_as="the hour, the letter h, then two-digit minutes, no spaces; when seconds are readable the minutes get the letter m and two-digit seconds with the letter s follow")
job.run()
1h17
